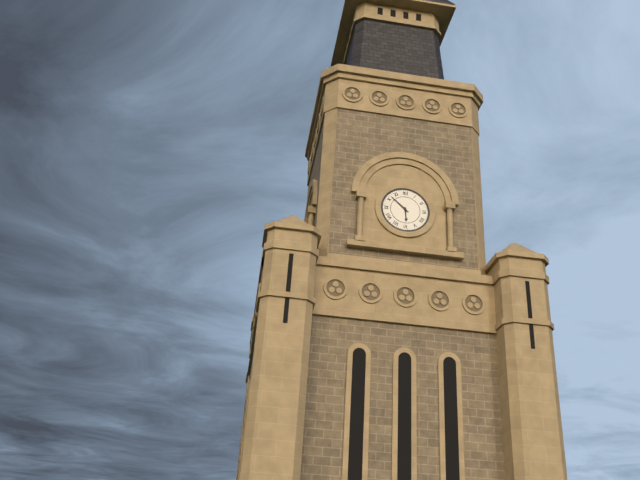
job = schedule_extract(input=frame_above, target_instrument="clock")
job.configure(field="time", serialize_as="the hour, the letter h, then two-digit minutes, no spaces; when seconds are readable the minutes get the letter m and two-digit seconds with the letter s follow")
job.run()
5h52
